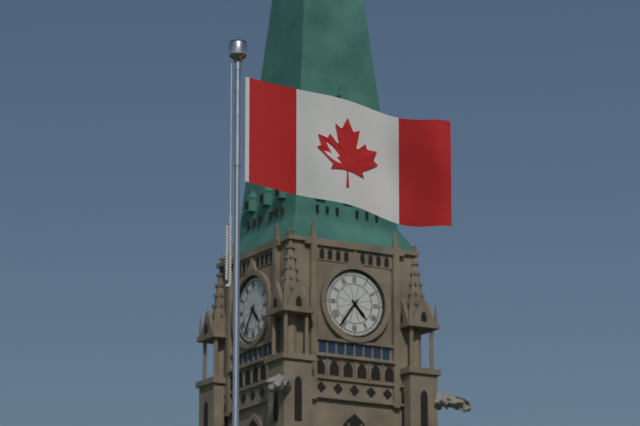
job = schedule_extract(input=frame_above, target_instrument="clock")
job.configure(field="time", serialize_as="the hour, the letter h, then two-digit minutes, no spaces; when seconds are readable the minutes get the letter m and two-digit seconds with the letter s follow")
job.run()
4h36
